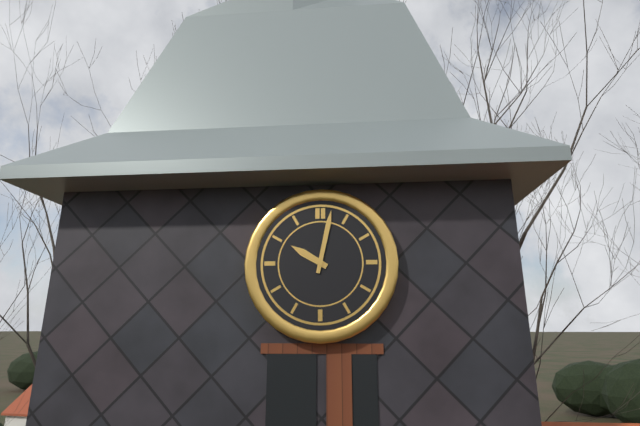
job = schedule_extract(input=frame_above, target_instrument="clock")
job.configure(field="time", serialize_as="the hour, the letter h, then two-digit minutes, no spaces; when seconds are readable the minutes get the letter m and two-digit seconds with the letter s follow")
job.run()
10h02
